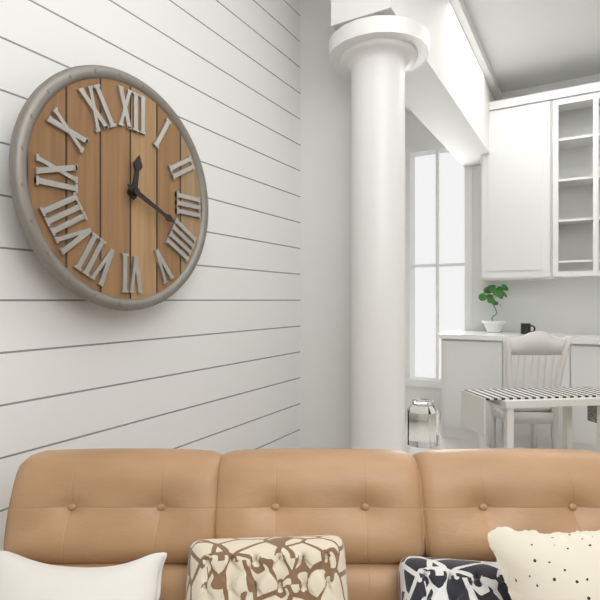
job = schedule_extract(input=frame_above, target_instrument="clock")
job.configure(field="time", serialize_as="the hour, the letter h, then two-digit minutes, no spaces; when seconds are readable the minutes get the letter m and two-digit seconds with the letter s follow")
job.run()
12h19
